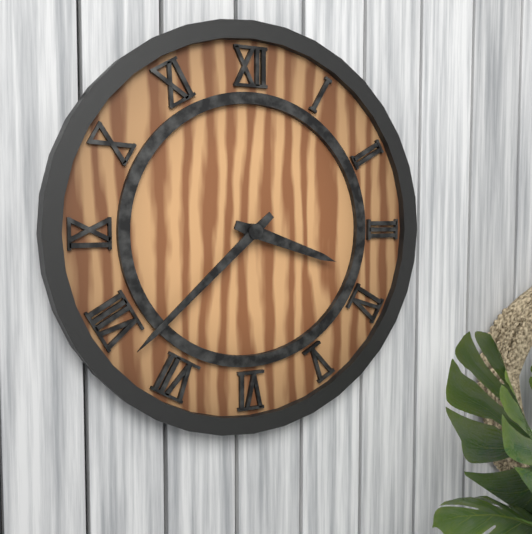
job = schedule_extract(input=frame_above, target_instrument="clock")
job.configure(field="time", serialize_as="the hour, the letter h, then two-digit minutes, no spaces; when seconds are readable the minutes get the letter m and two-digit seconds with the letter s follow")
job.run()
3h38
